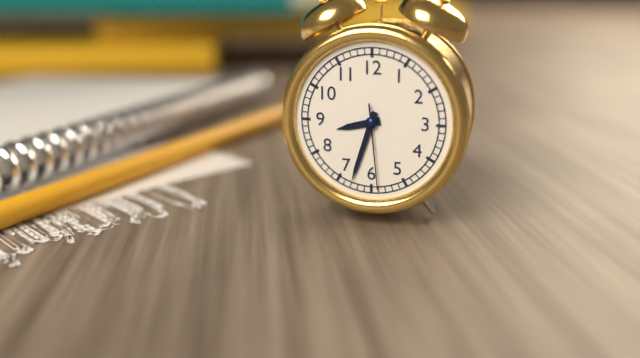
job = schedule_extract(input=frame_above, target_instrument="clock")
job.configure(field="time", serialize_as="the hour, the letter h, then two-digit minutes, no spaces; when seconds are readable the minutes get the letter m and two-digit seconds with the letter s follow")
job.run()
8h33m29s
